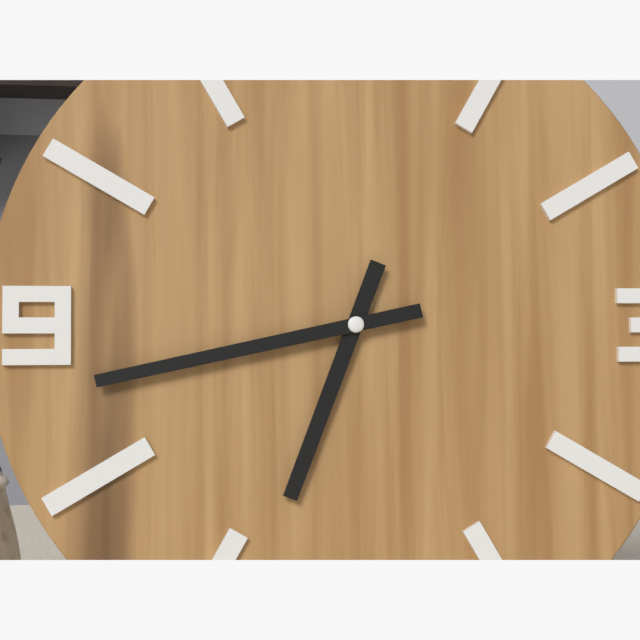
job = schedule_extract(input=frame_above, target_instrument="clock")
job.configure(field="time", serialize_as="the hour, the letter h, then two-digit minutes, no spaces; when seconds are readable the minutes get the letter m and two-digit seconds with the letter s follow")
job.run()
6h43
